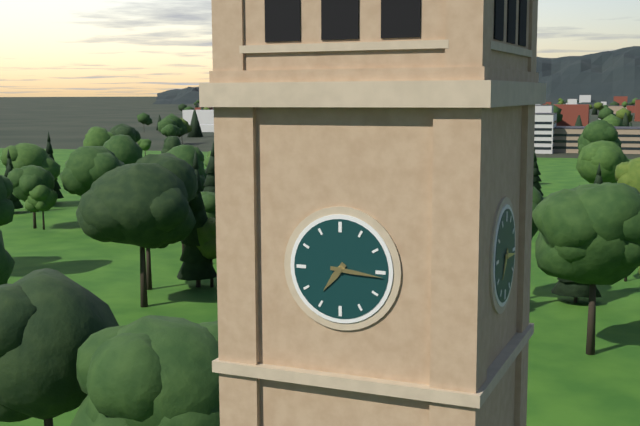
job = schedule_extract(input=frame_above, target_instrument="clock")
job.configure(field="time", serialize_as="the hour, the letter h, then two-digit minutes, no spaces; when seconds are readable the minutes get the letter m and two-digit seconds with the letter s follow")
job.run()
7h16
